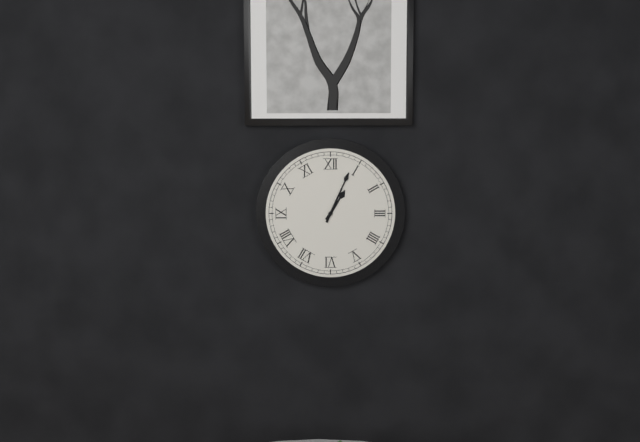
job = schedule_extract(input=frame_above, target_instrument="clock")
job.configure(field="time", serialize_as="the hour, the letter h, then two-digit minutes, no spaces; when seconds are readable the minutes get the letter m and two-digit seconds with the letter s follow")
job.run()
1h04
